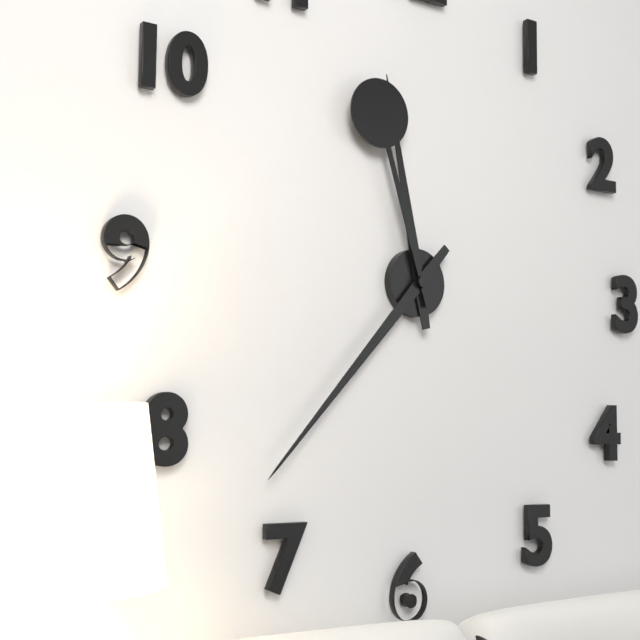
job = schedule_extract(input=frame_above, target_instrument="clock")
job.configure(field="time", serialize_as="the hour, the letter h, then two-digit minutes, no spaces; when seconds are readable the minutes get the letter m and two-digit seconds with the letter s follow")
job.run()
11h37m57s
